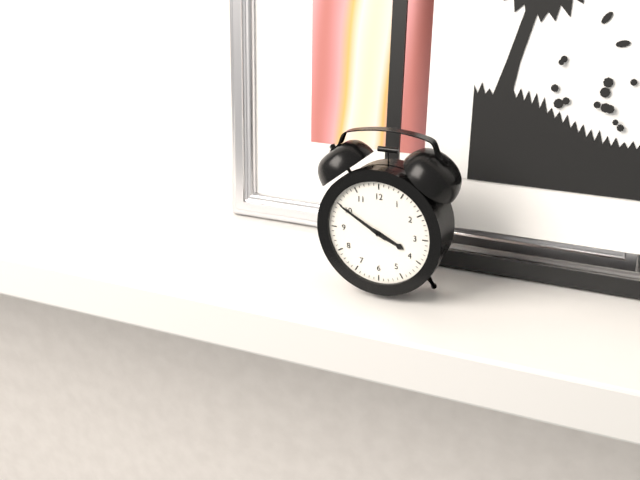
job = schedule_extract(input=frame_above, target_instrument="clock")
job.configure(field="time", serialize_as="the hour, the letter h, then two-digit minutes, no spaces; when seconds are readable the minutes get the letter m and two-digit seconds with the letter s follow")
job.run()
3h50
